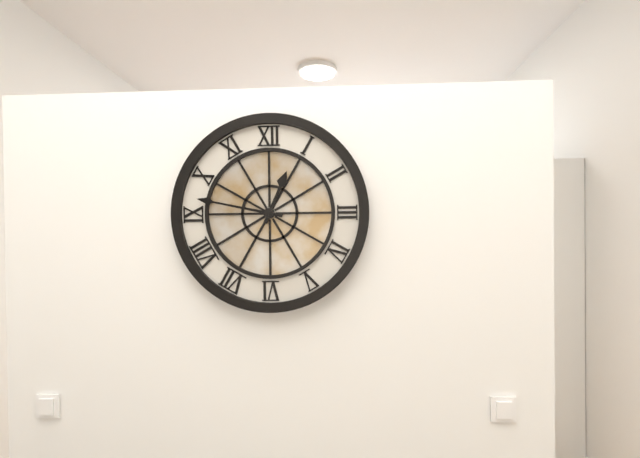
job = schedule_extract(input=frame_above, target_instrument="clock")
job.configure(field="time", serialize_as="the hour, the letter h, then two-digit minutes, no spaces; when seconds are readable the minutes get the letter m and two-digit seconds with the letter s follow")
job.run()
12h47
